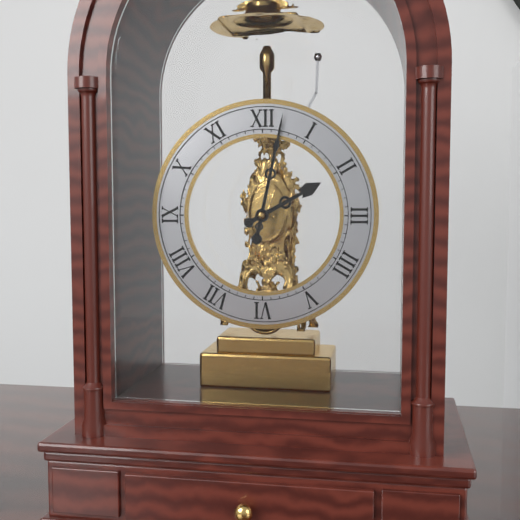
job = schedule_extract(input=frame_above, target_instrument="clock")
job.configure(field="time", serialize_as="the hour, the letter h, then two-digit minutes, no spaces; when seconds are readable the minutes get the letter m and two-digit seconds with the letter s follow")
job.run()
2h02
